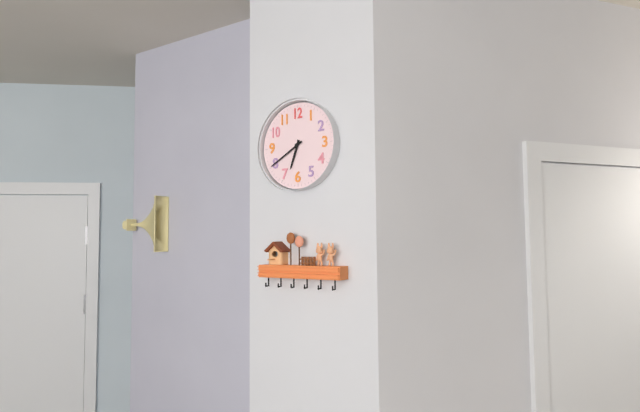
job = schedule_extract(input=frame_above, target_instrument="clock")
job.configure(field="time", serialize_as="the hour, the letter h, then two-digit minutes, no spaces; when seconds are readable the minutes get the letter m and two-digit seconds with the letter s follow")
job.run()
6h40
